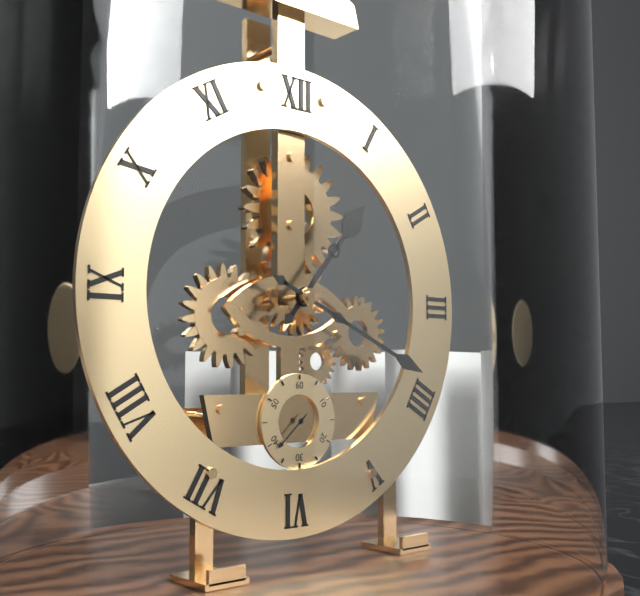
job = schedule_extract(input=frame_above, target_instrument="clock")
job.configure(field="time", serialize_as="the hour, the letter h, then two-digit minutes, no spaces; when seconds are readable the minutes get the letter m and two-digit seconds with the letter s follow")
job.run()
1h19
